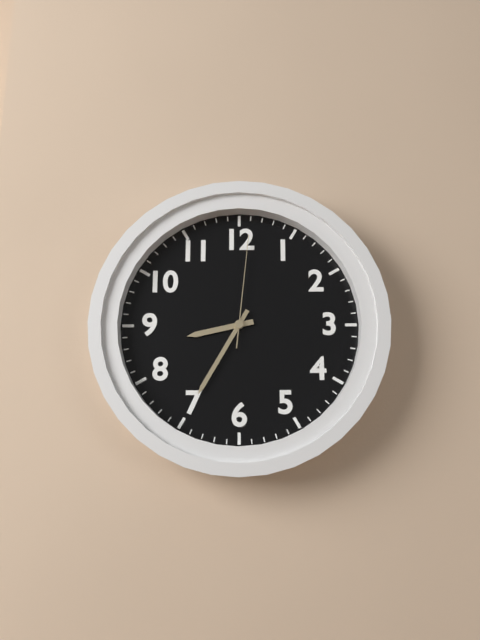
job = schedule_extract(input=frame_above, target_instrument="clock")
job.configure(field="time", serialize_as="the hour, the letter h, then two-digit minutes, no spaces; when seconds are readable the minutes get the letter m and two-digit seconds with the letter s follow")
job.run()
8h35m01s
